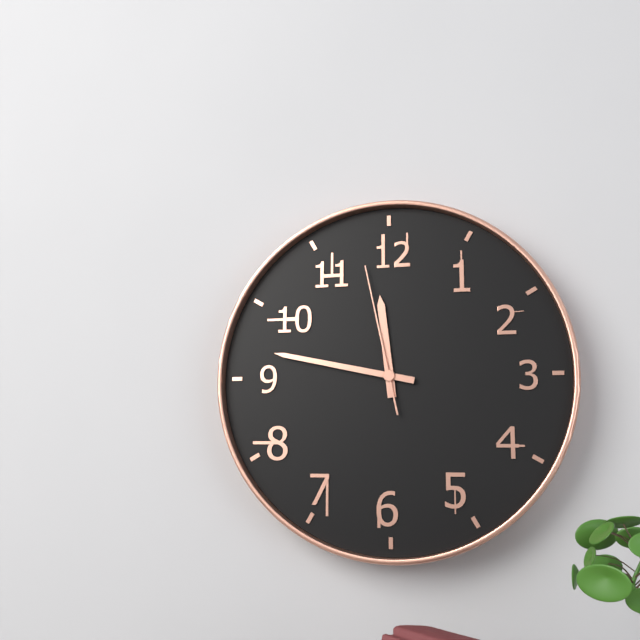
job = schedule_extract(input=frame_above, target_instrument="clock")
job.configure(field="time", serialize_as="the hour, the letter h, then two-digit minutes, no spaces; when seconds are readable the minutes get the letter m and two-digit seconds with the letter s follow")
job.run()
11h47m58s
